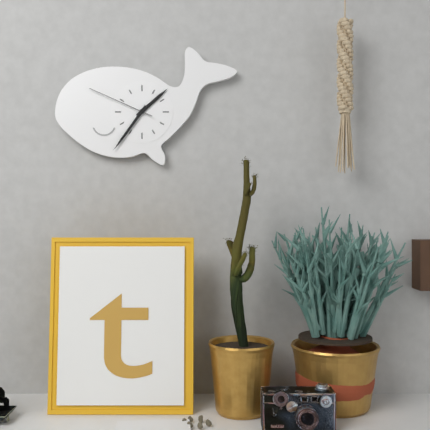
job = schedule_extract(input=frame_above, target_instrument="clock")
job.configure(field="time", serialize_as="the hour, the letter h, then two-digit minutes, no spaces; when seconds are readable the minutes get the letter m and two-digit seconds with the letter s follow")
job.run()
1h36m49s
